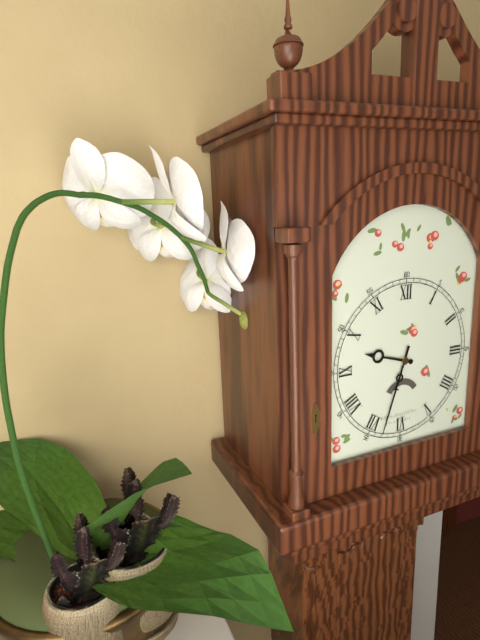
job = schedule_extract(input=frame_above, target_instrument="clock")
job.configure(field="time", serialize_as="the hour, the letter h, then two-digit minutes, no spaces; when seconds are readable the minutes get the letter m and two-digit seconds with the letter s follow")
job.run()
9h33
